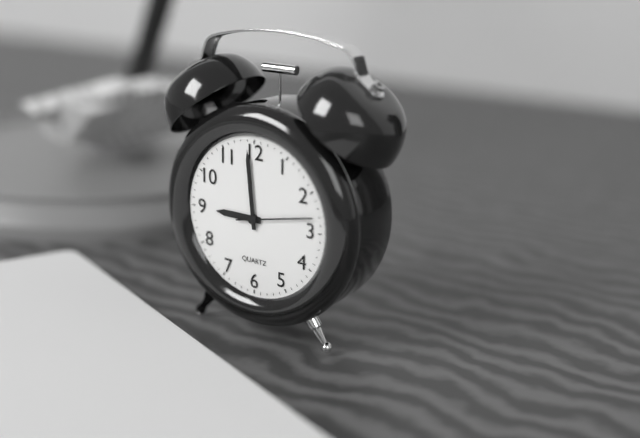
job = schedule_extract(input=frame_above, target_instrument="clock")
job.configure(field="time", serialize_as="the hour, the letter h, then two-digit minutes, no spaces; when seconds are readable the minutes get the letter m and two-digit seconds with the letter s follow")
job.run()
8h59m13s
